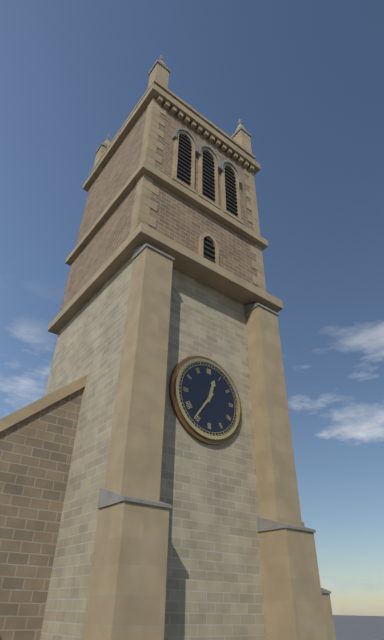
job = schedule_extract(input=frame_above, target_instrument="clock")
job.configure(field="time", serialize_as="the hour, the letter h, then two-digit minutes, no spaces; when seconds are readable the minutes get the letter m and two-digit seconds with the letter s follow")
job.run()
12h36
